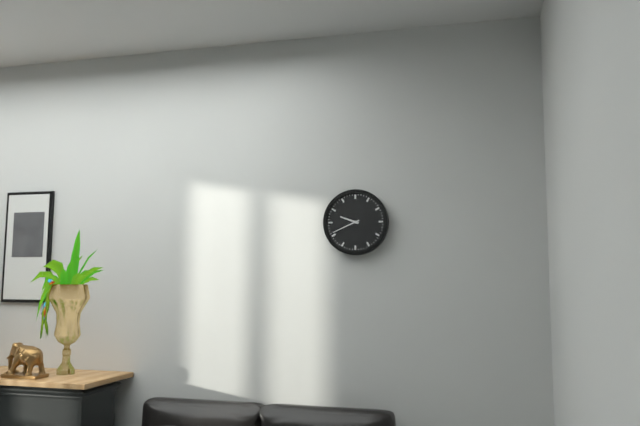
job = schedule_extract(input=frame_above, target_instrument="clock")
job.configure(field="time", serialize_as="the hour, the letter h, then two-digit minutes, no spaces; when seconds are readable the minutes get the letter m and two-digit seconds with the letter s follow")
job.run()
9h41
